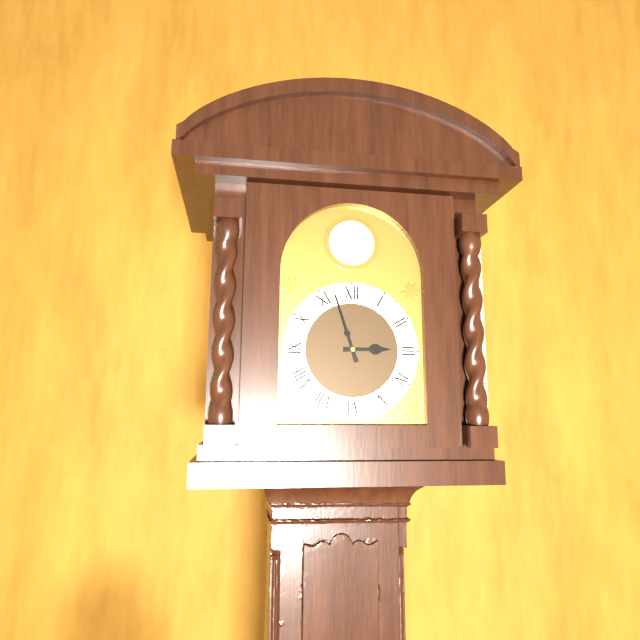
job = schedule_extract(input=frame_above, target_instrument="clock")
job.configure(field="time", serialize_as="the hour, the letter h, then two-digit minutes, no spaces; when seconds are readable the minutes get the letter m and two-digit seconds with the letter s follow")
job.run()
2h57
